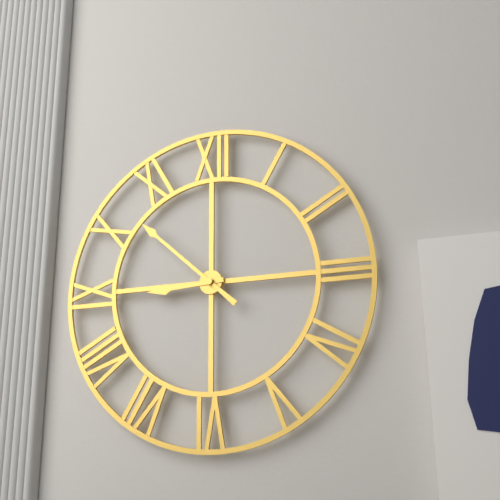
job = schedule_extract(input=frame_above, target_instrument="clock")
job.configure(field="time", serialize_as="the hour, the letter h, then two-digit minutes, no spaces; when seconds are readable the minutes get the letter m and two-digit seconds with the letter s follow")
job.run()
8h52
